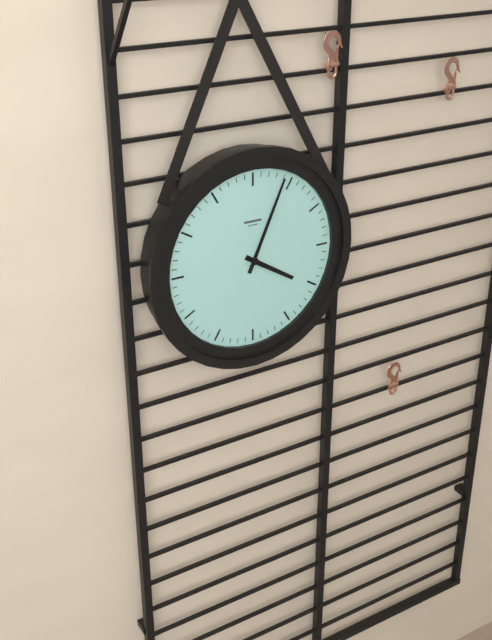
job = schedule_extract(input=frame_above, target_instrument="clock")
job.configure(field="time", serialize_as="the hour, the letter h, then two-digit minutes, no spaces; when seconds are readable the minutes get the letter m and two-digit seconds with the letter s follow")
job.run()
4h04
